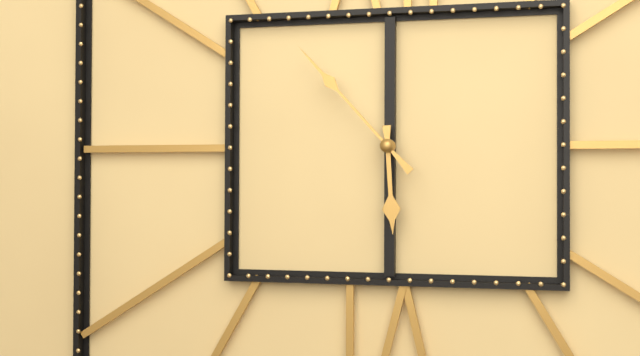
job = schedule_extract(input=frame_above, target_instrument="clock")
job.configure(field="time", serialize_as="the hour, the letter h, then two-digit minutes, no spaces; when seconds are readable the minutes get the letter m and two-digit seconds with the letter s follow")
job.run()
5h53
